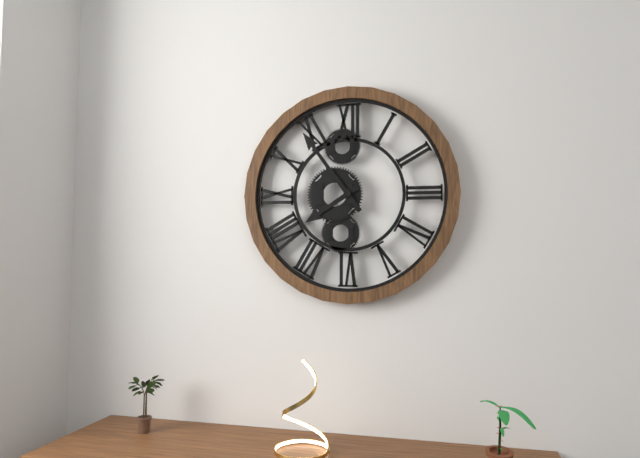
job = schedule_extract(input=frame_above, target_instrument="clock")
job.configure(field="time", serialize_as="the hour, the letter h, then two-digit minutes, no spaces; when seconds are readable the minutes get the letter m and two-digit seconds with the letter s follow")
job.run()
7h54
